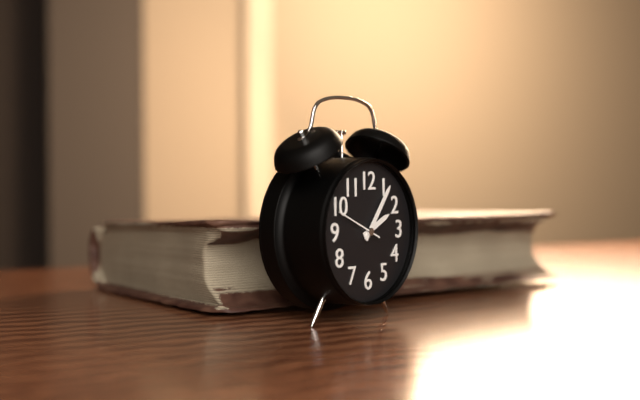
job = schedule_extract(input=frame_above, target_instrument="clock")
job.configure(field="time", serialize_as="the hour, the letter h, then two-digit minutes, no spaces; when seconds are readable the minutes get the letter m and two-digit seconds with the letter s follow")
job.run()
2h06
